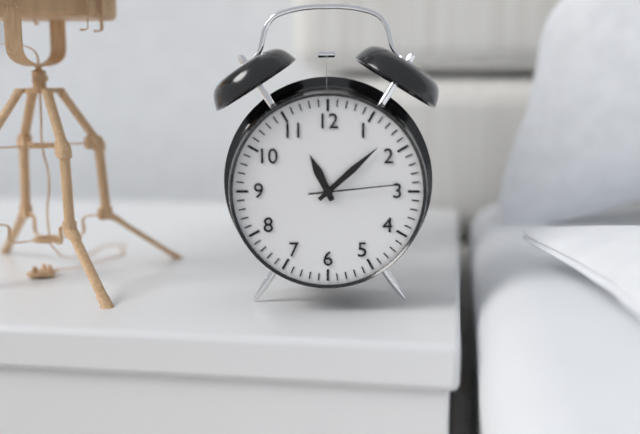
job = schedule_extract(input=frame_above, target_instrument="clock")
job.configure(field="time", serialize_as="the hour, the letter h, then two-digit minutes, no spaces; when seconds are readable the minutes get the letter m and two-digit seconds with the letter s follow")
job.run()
11h08m14s
